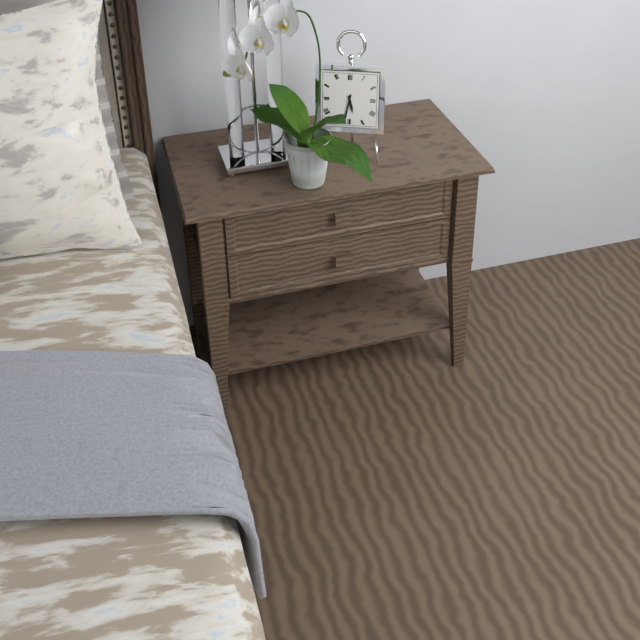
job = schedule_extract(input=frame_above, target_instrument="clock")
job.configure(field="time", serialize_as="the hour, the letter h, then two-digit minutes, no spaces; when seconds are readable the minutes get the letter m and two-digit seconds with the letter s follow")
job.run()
5h32
